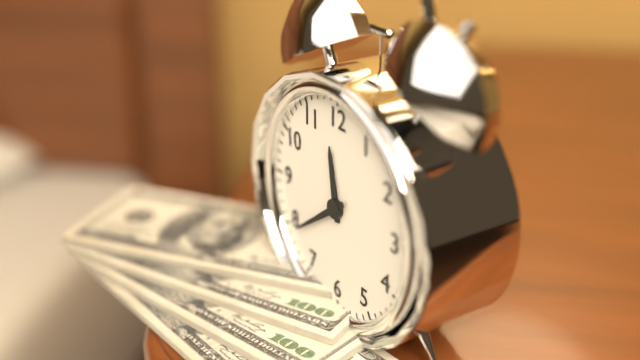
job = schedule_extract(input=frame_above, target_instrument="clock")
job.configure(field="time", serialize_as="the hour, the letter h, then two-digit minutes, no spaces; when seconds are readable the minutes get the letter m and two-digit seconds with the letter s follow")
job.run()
11h39
